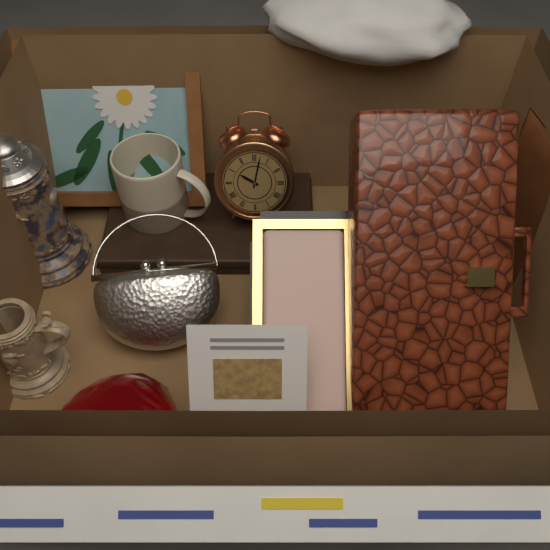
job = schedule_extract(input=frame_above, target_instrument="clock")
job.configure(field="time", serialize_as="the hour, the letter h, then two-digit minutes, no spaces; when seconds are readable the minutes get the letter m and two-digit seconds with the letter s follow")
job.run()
10h02
